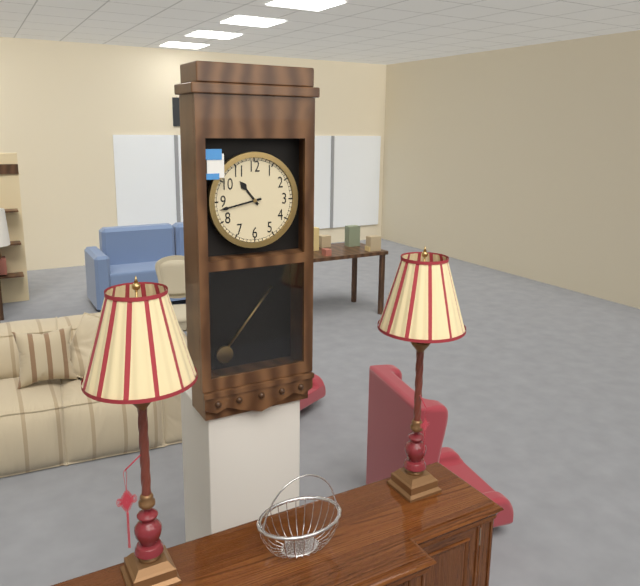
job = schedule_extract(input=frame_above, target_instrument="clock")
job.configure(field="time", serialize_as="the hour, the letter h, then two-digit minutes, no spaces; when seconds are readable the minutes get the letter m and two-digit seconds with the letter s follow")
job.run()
10h43
